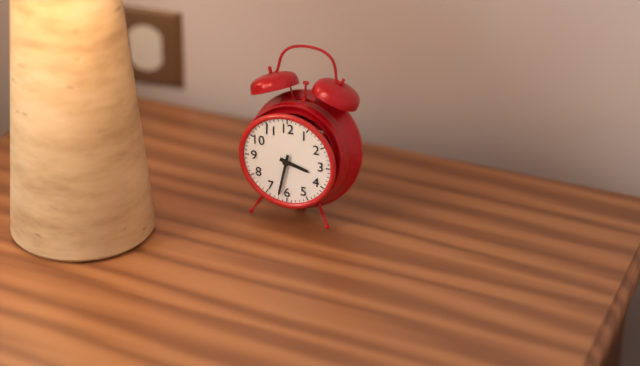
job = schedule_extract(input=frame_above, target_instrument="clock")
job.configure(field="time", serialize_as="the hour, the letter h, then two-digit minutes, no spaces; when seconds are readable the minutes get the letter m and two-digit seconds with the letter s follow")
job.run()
3h32
